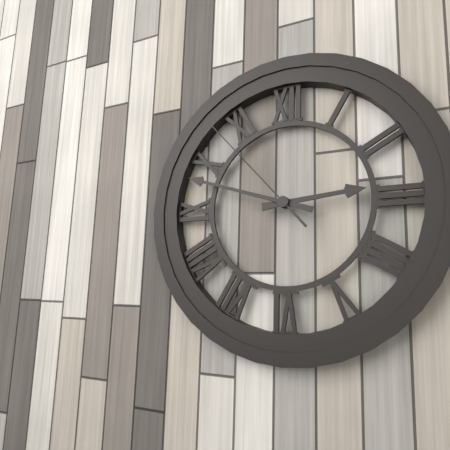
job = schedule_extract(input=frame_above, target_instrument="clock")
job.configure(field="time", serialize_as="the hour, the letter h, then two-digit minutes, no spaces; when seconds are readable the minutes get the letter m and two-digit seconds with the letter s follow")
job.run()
2h48m53s
